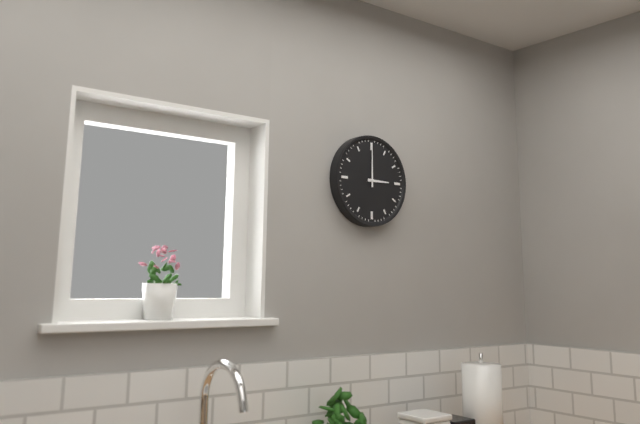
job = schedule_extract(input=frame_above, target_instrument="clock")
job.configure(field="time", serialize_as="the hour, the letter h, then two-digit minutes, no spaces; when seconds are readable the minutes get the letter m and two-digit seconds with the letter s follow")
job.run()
3h00
